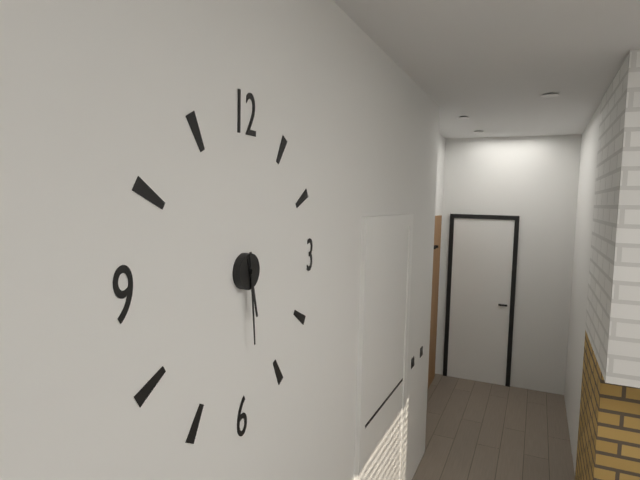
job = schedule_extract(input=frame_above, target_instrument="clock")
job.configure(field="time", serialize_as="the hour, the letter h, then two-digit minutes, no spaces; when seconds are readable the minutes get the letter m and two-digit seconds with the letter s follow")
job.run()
5h29
